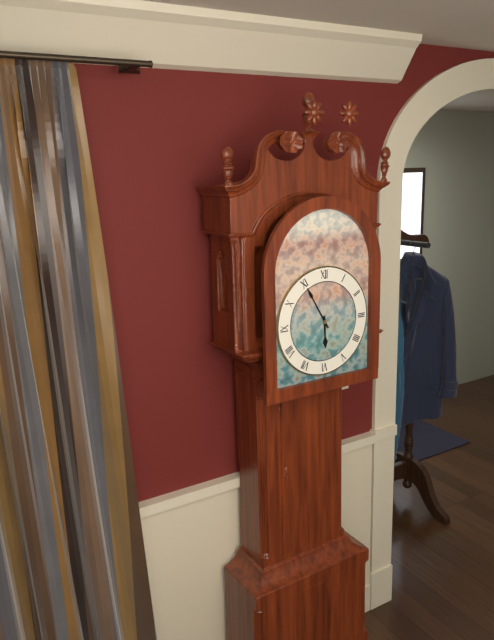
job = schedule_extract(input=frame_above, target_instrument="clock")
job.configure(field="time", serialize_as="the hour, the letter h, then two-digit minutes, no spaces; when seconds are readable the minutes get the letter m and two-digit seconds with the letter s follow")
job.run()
5h55
